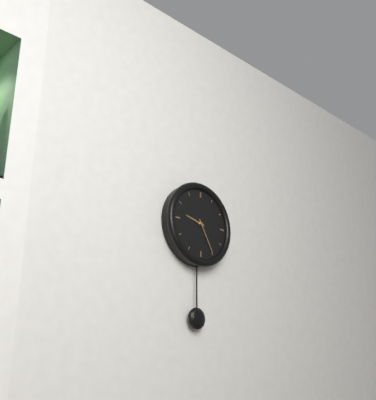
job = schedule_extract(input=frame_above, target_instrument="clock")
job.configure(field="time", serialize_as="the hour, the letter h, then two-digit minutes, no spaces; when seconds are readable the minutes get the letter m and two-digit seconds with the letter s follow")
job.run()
9h25
